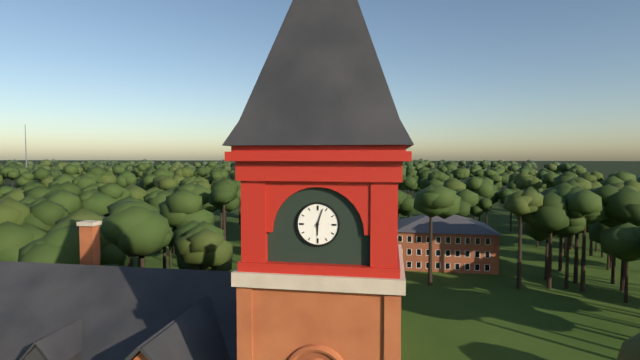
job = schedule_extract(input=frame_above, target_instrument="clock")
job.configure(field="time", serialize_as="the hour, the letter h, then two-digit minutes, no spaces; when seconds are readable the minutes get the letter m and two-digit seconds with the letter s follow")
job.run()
6h03
